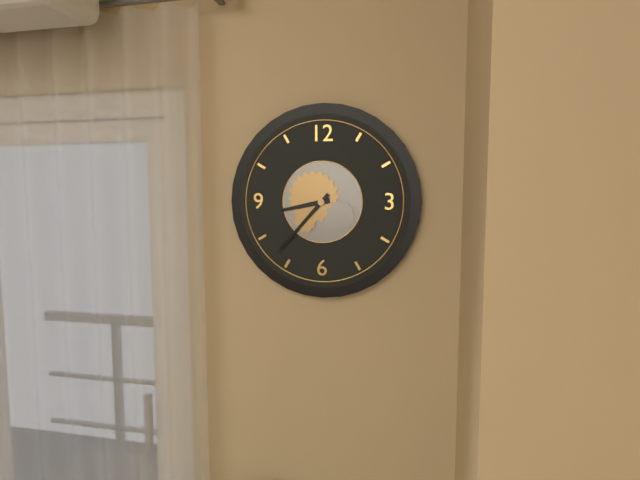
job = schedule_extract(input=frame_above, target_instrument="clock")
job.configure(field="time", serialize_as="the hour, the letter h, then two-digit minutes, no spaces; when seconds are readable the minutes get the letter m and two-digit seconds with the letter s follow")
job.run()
8h37
